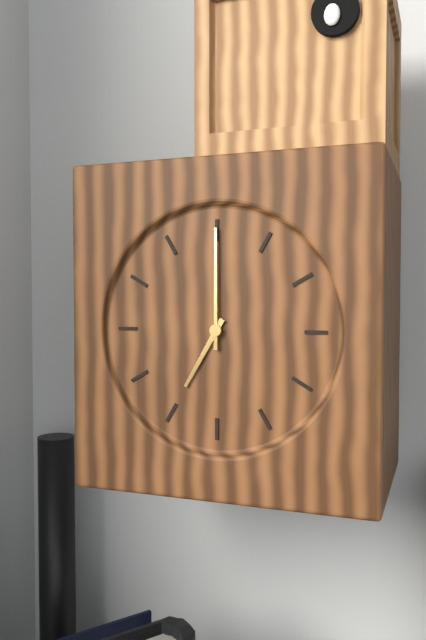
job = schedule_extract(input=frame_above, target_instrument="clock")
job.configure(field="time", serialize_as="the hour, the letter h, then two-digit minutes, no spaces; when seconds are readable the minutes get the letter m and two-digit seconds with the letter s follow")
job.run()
7h00
